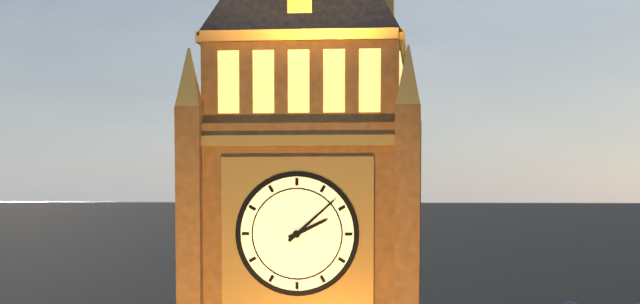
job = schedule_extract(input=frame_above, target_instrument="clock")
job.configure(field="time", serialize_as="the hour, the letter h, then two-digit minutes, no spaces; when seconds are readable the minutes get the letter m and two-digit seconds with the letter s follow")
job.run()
2h08
